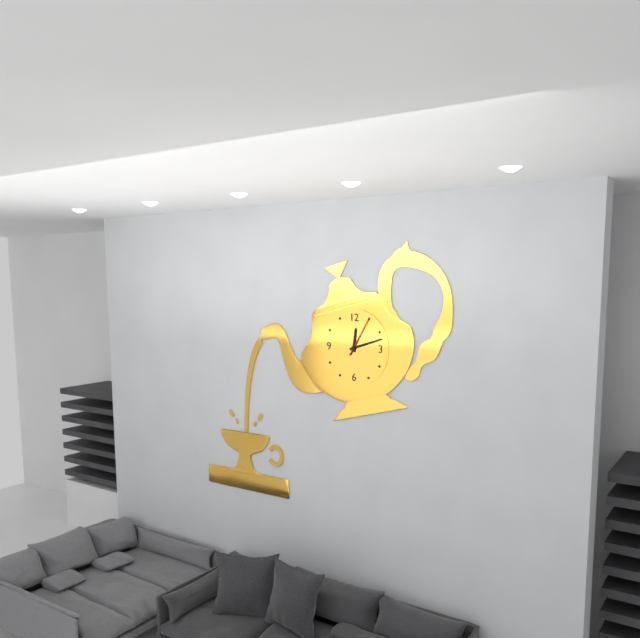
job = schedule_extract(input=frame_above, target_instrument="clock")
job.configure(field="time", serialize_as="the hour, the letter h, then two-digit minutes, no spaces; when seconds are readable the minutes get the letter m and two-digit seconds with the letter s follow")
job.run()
12h12
